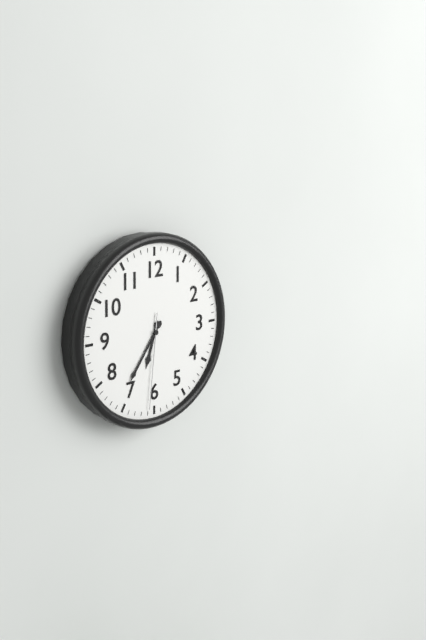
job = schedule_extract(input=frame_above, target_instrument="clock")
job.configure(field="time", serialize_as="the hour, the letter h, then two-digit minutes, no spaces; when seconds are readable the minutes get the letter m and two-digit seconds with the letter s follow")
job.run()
6h36m31s
